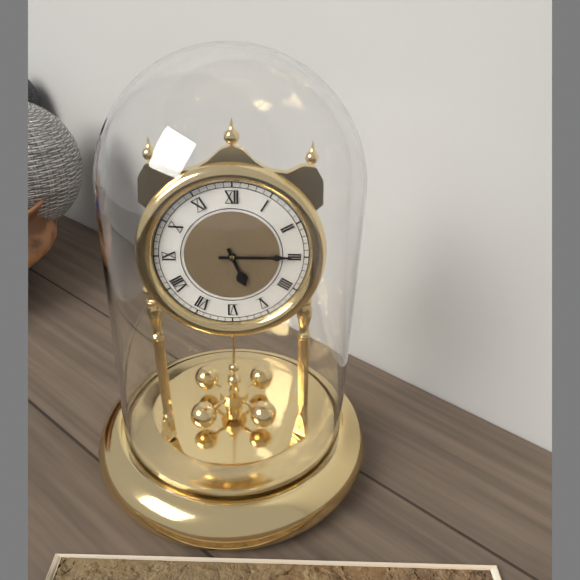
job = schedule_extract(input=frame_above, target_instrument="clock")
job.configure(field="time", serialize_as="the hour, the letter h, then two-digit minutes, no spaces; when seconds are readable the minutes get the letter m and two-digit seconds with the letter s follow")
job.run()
5h15
